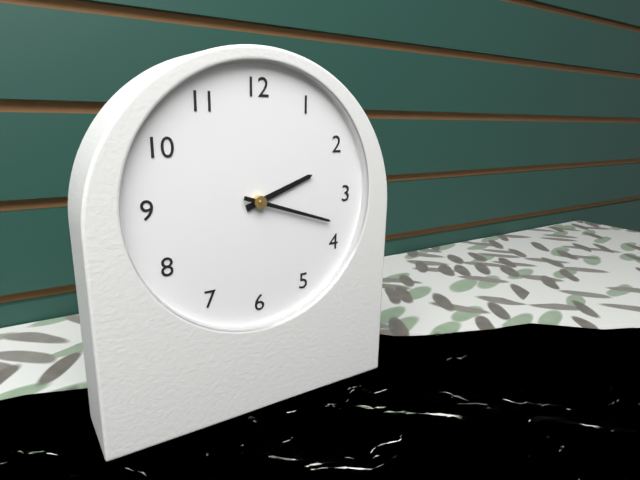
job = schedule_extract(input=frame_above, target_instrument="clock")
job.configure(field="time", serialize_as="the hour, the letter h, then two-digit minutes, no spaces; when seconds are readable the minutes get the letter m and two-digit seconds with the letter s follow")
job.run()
2h18
